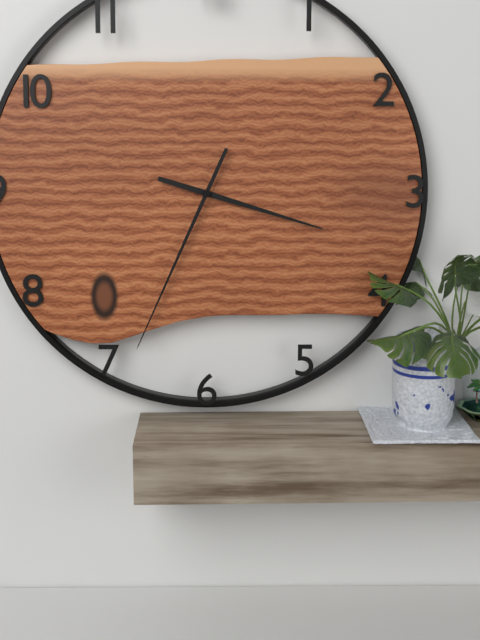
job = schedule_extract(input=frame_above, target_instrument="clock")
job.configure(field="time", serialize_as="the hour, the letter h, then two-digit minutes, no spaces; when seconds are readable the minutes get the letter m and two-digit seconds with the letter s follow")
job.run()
3h34
